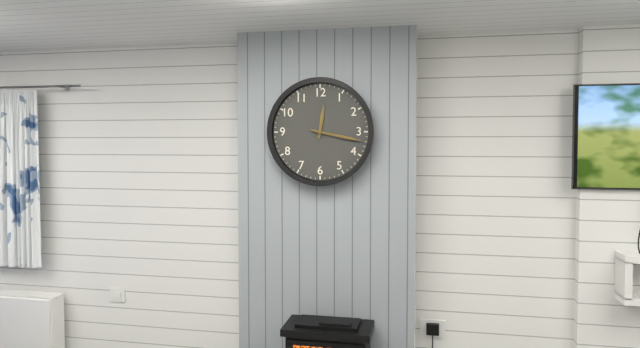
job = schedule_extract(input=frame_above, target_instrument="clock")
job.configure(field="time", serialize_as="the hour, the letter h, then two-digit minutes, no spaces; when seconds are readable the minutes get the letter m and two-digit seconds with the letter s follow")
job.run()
12h17
